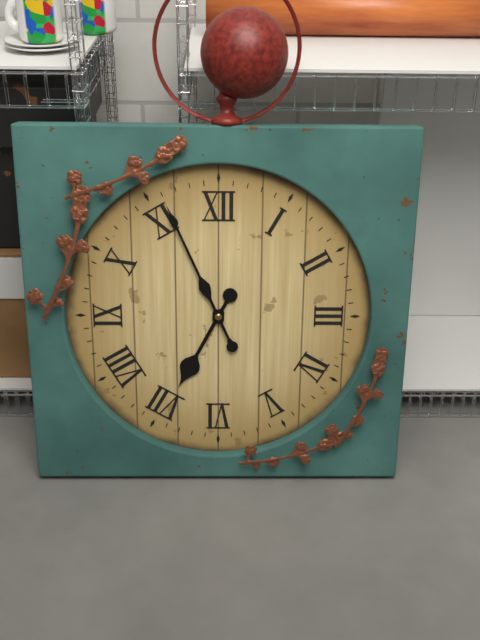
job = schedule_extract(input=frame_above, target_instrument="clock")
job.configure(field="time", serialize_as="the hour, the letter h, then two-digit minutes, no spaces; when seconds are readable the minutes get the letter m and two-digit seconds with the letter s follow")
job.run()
6h56
